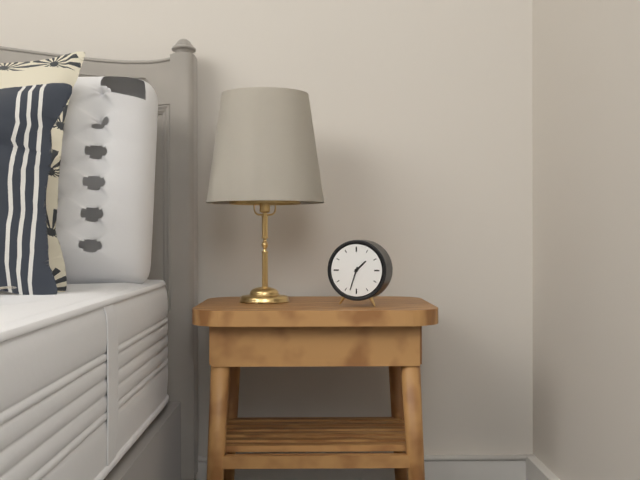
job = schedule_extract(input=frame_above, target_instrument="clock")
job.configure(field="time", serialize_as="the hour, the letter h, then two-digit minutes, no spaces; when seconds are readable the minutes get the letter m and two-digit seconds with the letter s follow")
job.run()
1h33
